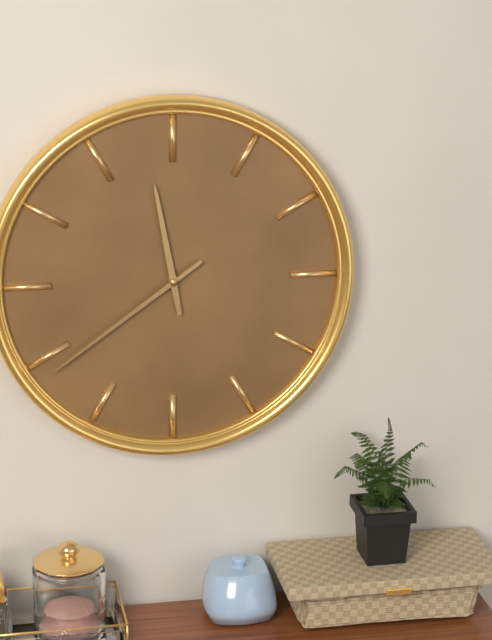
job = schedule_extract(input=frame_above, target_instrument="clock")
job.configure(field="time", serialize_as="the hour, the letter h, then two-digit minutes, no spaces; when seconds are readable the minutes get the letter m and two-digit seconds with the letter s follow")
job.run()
11h39
